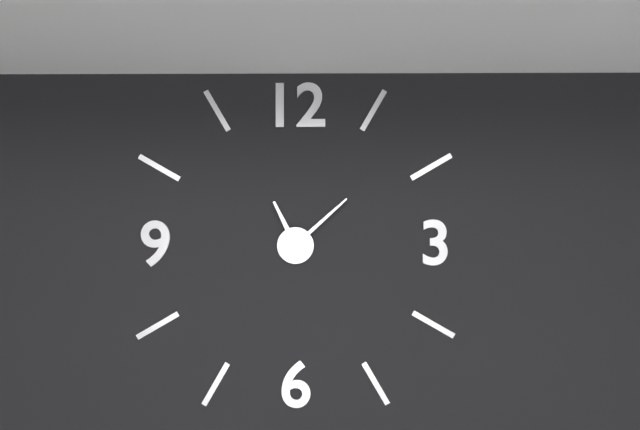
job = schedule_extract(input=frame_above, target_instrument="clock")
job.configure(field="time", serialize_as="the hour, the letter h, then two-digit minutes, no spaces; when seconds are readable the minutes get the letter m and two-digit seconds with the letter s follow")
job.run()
11h08
